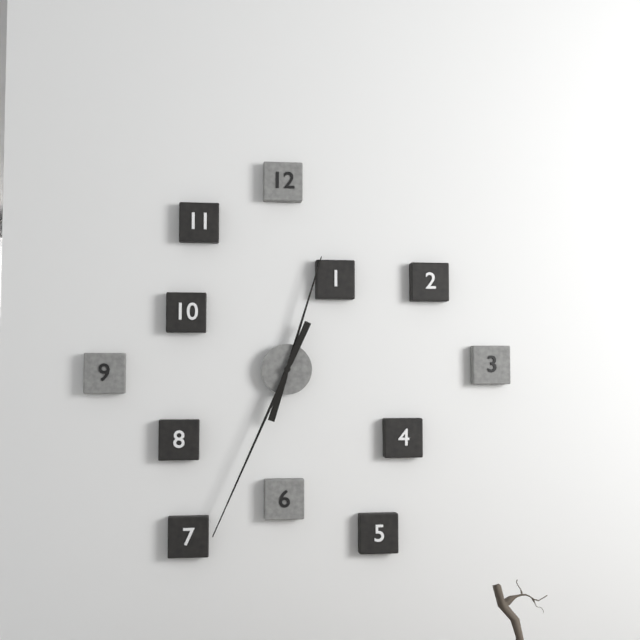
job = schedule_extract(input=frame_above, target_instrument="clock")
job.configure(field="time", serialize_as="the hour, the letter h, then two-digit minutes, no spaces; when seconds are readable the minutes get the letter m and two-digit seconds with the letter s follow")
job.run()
12h34
